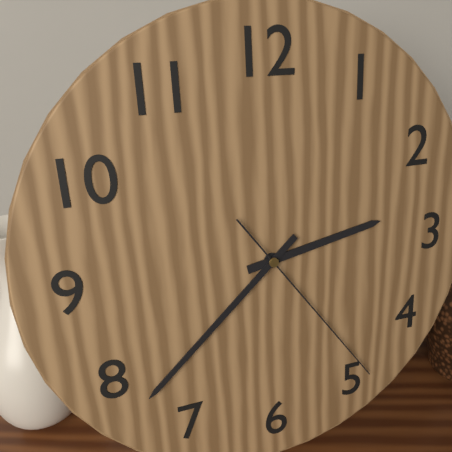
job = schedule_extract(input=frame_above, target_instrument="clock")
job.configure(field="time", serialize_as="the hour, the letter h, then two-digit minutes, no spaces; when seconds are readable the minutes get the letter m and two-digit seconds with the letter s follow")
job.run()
2h38m24s
